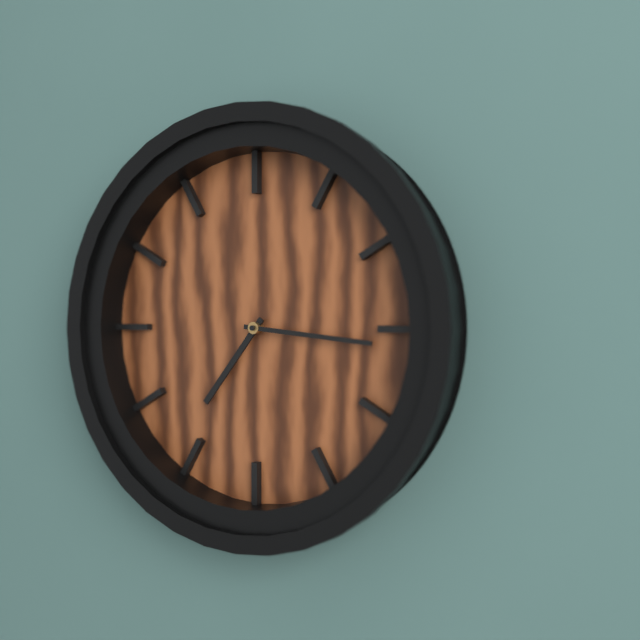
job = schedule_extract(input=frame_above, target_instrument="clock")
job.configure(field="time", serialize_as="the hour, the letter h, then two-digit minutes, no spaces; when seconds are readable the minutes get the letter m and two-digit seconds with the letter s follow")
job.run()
7h16
